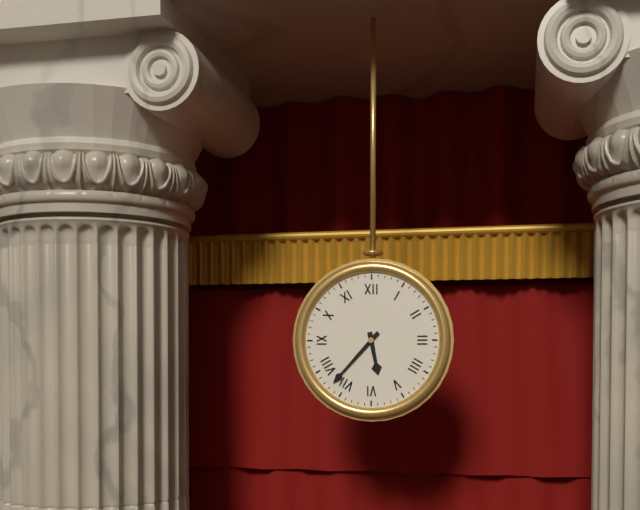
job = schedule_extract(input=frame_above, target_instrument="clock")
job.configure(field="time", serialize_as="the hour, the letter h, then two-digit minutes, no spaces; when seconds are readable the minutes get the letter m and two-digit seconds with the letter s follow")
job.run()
5h37
